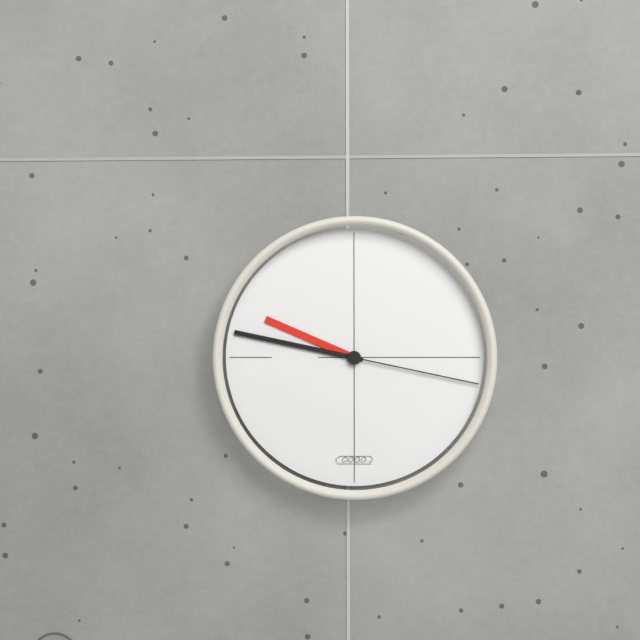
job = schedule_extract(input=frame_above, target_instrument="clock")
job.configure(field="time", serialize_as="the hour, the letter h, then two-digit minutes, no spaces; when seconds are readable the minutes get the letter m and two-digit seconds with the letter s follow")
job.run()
9h47m17s
